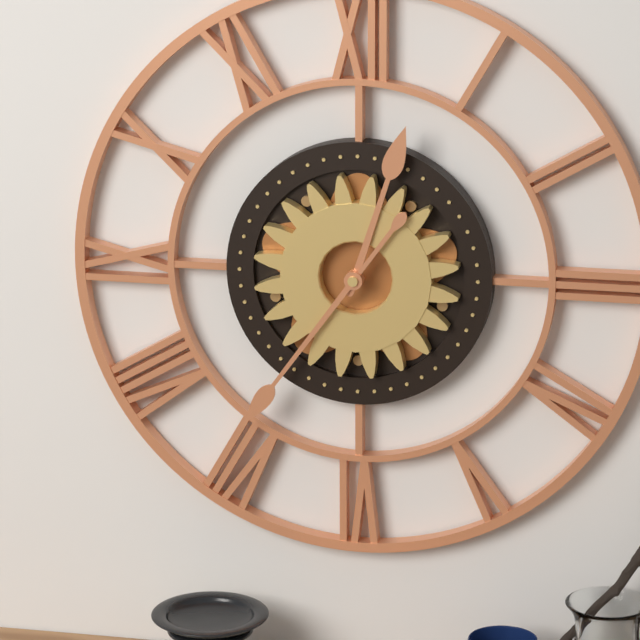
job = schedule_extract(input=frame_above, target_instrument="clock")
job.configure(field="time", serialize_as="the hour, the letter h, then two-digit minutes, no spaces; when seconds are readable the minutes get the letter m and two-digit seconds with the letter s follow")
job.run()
12h36
